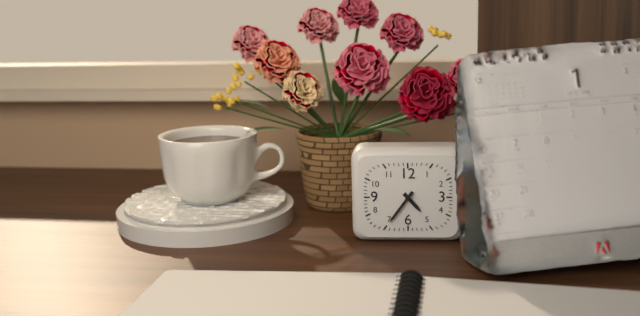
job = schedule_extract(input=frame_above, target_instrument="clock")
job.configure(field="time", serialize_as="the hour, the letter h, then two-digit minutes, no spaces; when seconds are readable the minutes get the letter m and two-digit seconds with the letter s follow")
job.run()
4h36
